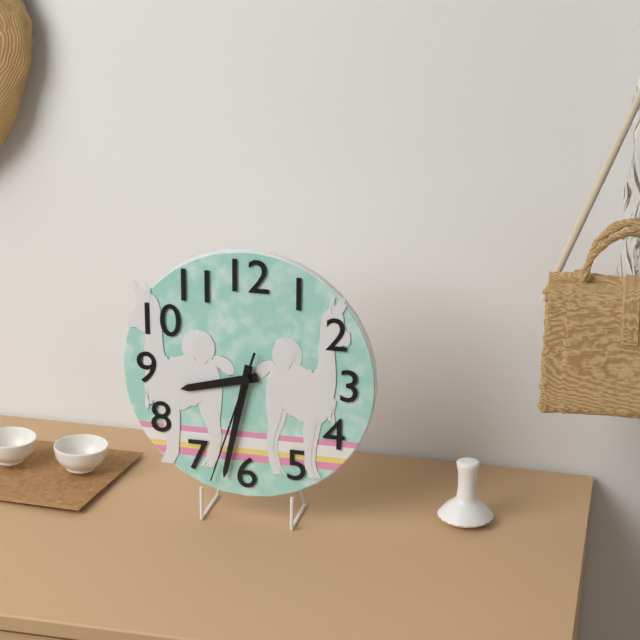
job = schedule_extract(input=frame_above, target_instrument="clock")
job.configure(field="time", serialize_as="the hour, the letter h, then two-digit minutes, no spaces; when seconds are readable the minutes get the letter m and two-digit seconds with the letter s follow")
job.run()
8h32m33s
